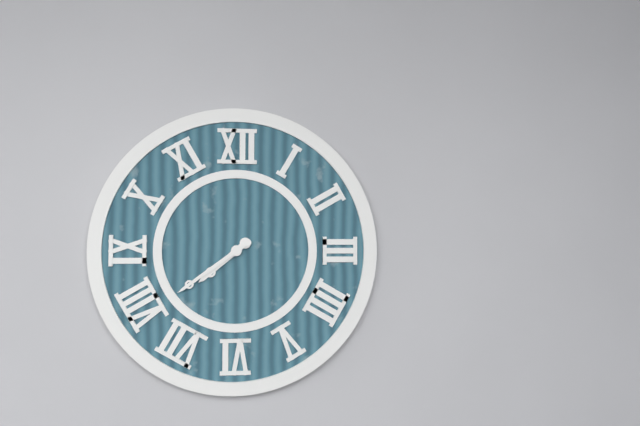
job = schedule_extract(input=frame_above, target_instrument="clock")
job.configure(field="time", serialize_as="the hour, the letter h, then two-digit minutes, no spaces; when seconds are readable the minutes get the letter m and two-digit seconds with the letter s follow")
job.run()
7h39
